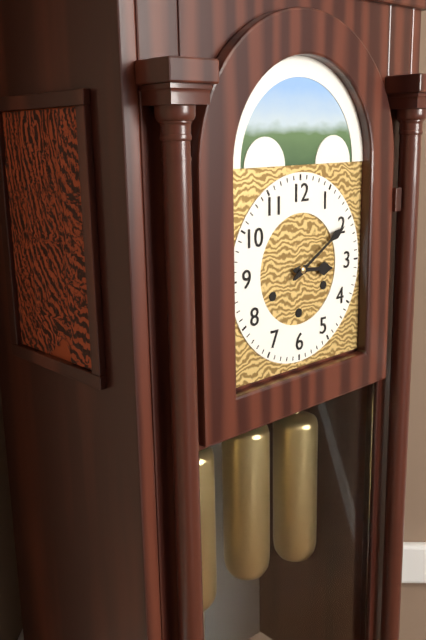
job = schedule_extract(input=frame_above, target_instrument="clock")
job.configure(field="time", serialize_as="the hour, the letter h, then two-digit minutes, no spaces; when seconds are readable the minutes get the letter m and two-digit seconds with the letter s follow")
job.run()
3h10
